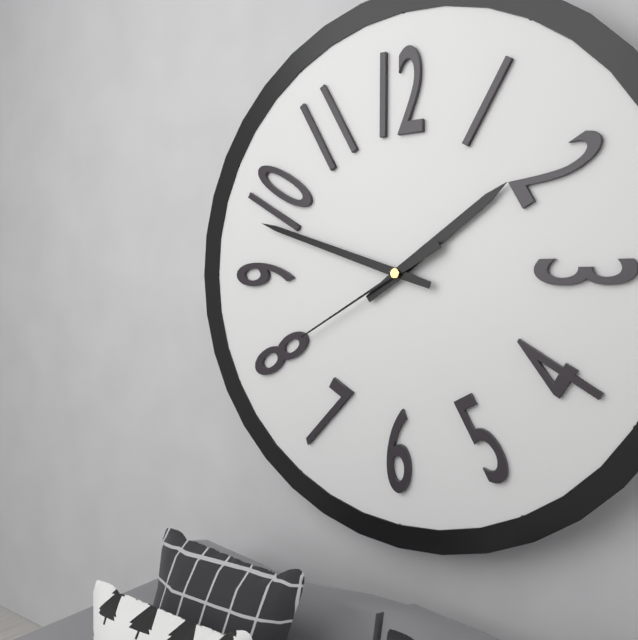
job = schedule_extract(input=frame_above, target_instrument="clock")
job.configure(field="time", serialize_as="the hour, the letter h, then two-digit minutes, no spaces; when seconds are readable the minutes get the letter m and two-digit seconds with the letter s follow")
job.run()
1h48m40s
